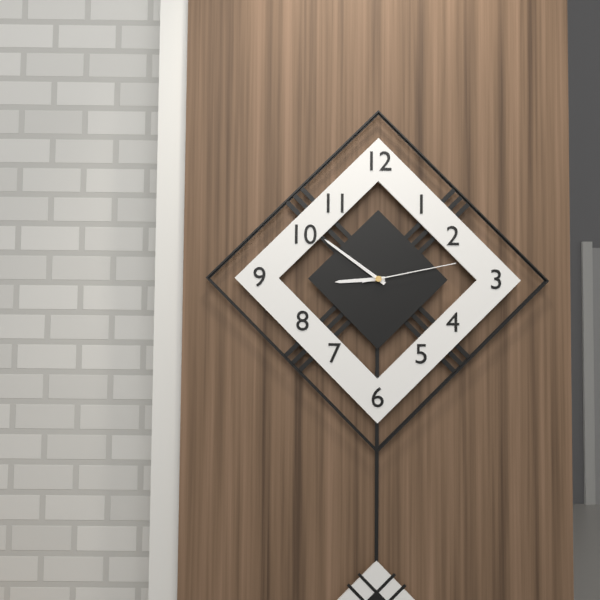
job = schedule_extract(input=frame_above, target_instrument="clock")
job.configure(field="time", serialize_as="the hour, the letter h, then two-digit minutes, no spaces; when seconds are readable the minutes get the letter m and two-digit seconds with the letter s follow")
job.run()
8h51m13s
